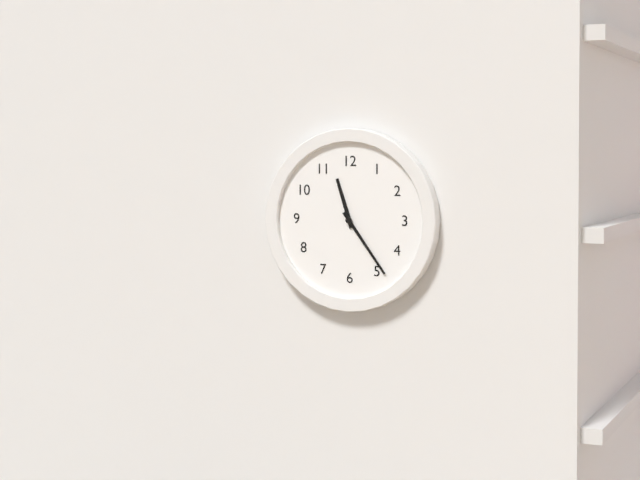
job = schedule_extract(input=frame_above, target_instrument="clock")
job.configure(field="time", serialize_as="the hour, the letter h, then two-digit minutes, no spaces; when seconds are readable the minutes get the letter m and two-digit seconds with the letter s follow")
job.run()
11h24
